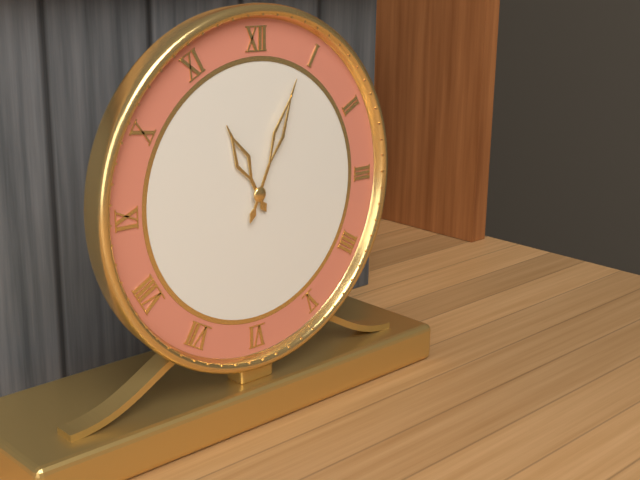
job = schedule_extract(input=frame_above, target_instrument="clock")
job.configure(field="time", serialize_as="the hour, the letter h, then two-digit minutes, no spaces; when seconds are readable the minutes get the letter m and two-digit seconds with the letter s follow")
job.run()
11h04
